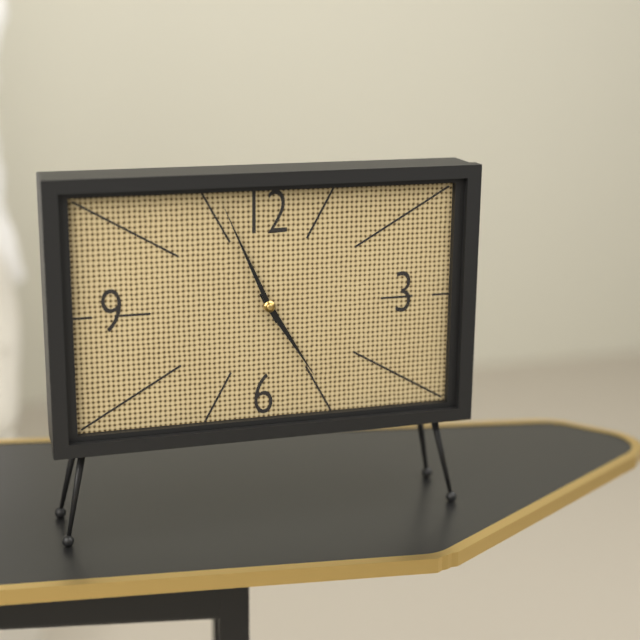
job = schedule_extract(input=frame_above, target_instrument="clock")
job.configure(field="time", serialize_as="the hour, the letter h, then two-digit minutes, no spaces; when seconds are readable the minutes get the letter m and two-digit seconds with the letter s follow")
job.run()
4h56
